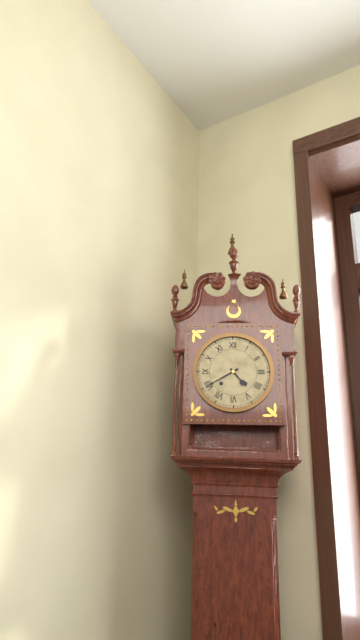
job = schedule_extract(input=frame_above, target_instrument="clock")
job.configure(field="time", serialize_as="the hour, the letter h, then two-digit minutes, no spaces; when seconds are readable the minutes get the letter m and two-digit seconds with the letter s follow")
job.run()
4h40
